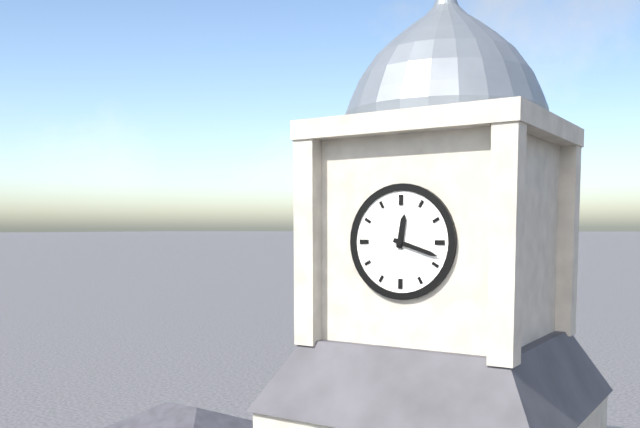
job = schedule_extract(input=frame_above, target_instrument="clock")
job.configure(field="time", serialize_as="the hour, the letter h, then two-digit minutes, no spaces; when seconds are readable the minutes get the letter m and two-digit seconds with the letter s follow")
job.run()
12h18
